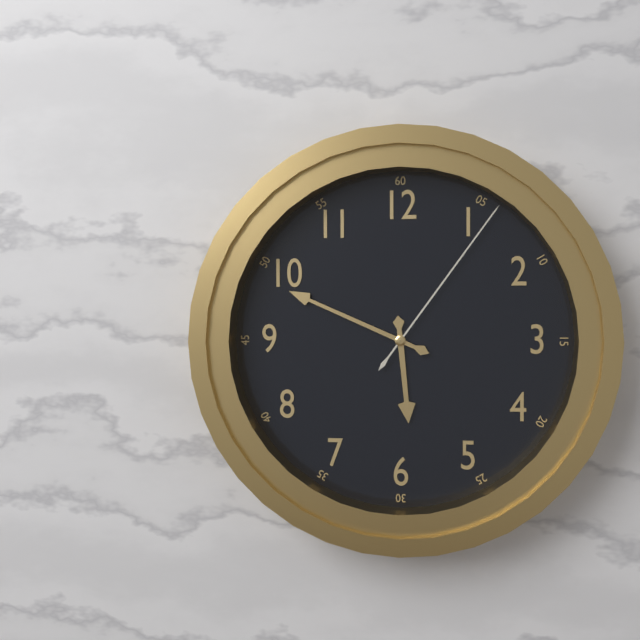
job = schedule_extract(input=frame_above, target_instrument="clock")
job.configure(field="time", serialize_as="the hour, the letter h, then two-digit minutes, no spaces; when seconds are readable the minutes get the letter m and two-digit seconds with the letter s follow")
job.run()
5h49m06s
